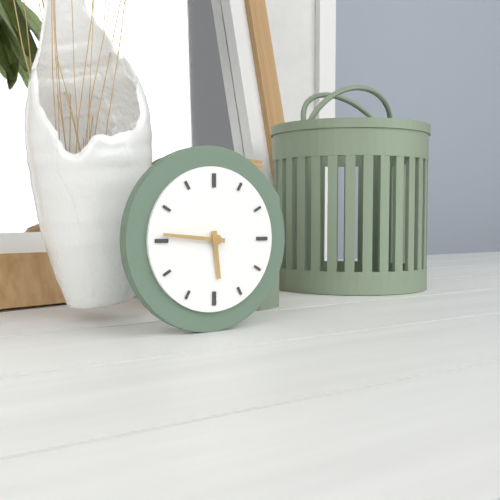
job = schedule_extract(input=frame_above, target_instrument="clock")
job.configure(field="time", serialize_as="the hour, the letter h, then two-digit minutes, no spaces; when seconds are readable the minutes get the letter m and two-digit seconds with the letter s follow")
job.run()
5h46
